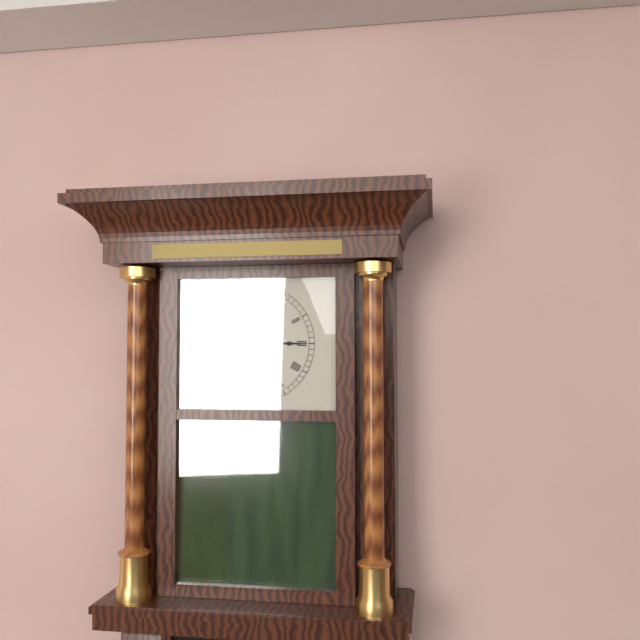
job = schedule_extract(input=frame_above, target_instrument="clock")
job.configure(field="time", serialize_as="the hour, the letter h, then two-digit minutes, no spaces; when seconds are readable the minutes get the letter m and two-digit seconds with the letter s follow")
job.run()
4h15
